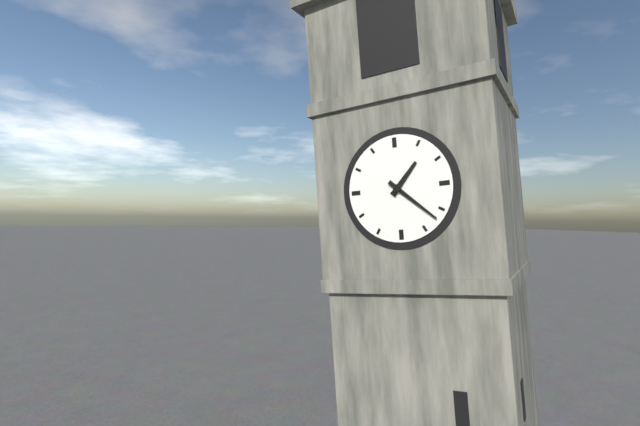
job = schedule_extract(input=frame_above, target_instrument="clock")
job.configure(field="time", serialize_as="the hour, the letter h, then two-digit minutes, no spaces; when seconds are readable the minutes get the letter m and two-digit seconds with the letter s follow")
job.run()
1h22
